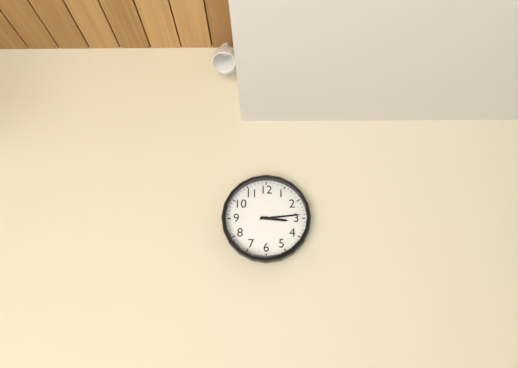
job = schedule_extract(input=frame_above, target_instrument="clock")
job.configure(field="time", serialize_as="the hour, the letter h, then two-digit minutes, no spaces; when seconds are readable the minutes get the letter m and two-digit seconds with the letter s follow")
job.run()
3h14
